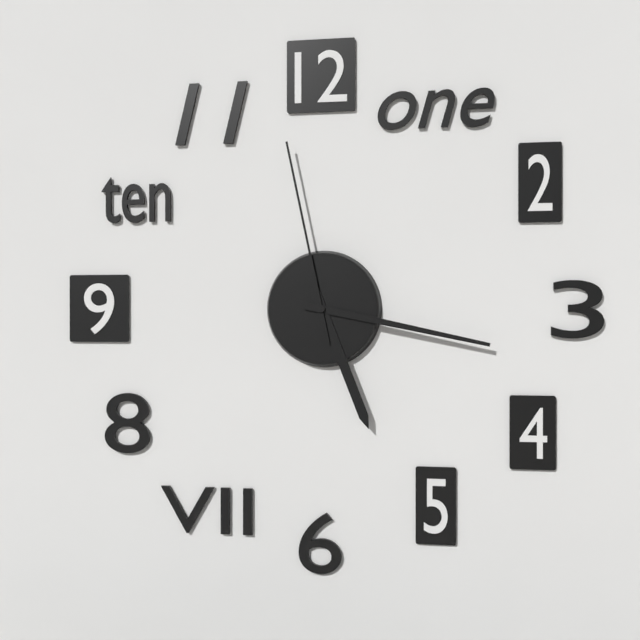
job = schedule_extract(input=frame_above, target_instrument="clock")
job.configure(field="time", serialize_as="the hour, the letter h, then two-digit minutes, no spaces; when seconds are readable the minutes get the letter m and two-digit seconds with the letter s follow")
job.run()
5h17m58s
